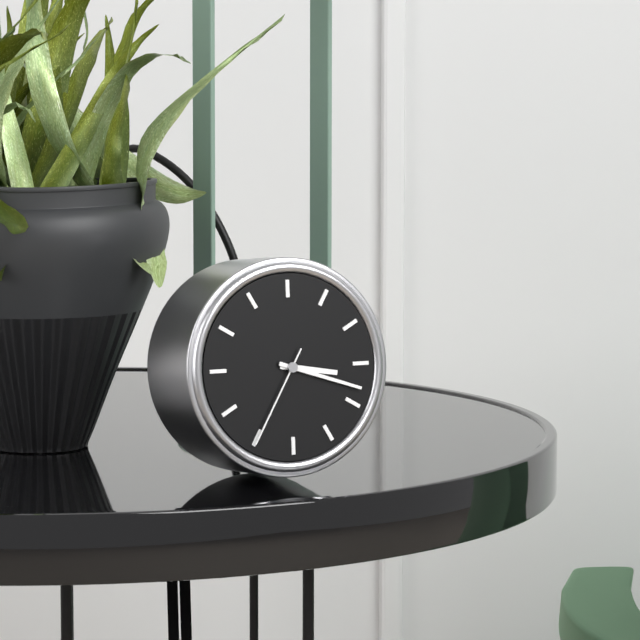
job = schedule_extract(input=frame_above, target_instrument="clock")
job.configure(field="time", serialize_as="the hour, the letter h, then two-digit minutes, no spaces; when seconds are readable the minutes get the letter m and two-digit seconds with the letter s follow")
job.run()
3h18m35s
